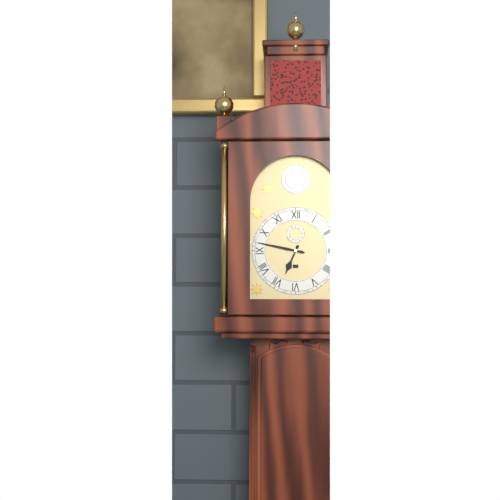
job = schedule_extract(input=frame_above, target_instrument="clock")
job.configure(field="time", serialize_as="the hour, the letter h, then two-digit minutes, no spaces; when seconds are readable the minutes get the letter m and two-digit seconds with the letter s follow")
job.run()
6h47
